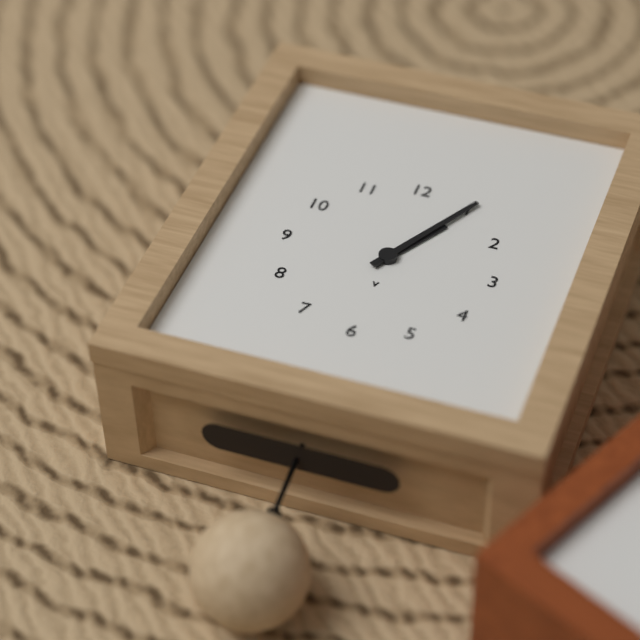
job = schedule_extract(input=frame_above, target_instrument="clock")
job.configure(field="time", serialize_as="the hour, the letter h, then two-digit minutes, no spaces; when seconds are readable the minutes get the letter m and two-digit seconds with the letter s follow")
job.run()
1h05
